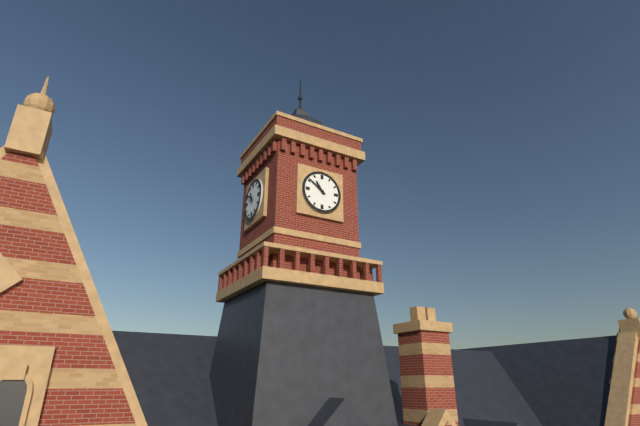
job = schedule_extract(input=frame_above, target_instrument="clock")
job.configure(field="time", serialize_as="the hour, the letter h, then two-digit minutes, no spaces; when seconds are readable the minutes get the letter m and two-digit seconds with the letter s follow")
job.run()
10h51
